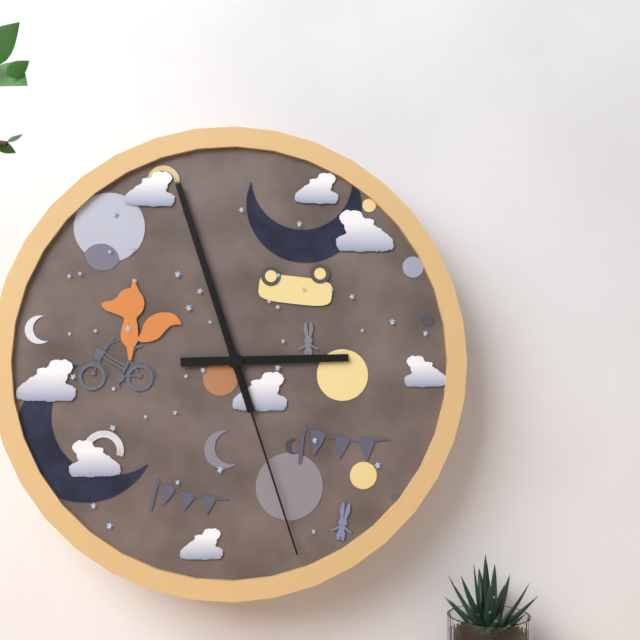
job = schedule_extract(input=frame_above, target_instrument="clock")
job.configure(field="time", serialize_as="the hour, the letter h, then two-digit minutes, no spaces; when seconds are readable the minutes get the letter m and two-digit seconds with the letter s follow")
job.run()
2h57m27s
